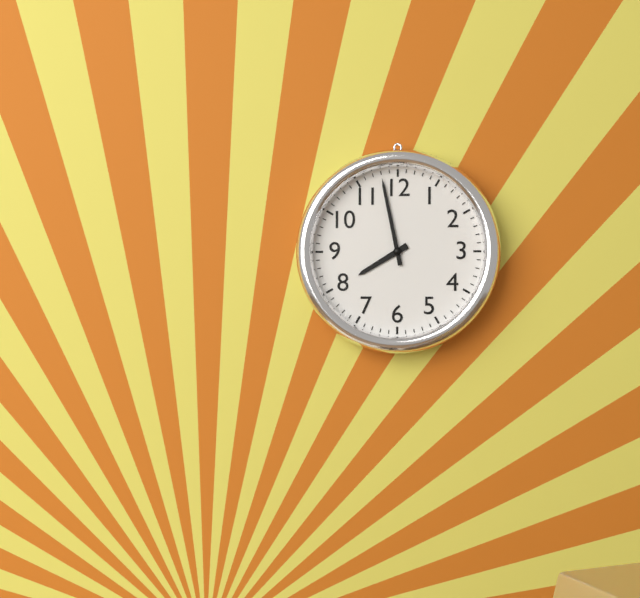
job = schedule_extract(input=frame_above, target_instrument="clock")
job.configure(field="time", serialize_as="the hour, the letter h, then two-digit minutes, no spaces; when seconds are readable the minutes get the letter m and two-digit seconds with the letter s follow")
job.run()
7h58
